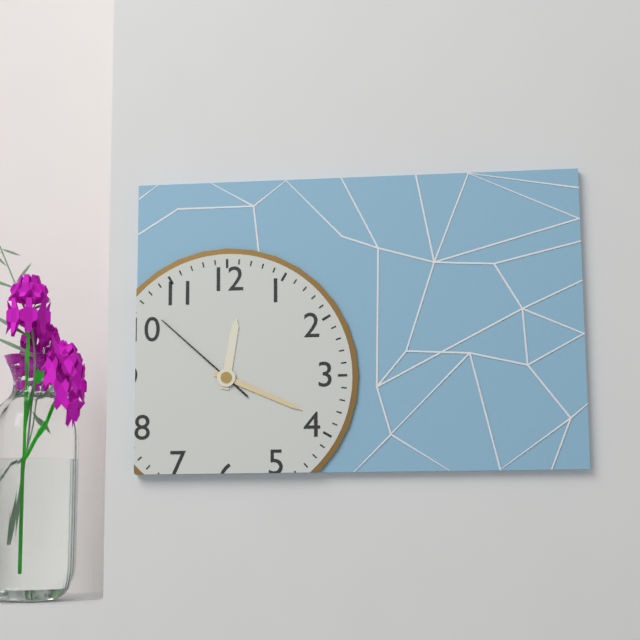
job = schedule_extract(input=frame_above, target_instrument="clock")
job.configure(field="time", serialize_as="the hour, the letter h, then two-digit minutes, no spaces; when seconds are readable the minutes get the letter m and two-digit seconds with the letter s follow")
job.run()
12h19m52s
